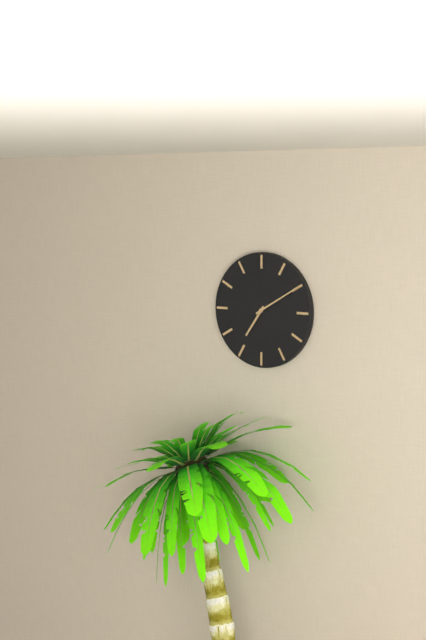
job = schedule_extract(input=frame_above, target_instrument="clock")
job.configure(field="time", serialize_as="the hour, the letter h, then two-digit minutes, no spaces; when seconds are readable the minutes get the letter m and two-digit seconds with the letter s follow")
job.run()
7h10
